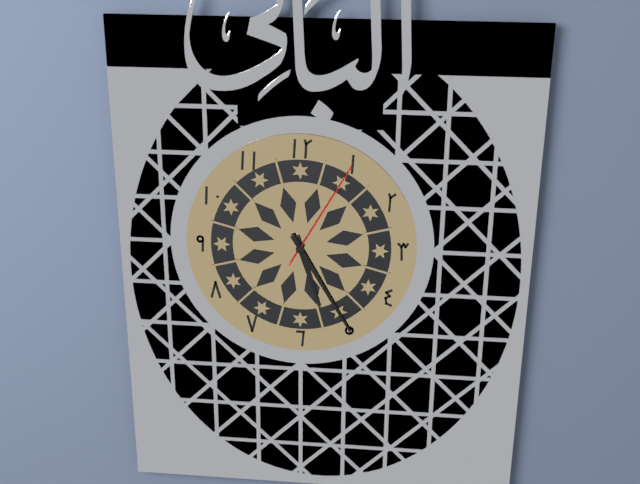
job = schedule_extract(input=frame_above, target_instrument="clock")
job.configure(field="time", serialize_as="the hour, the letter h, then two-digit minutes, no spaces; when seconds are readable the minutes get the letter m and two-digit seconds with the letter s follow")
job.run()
5h25m05s
